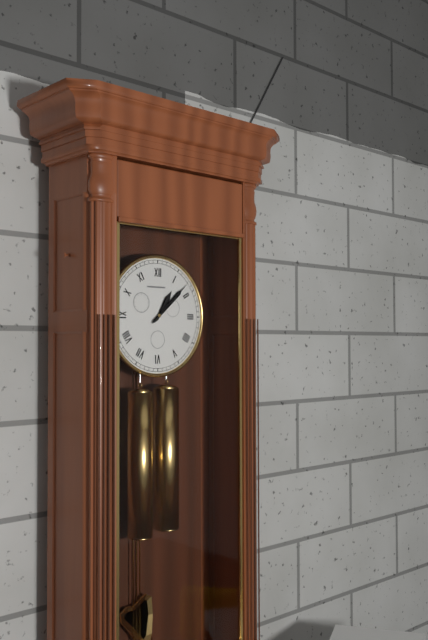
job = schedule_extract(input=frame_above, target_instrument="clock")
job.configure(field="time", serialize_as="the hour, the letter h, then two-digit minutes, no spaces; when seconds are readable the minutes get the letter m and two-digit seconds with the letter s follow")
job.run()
1h08
